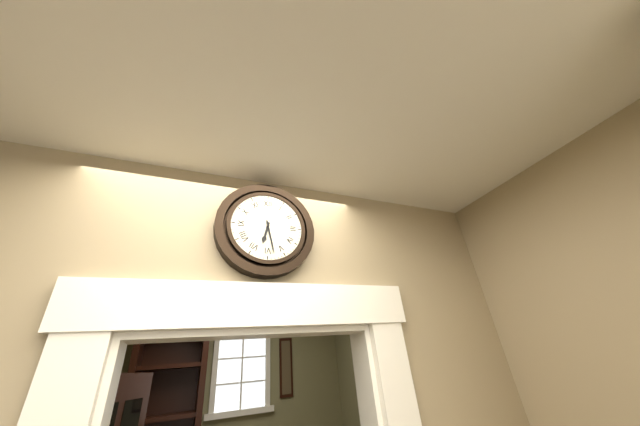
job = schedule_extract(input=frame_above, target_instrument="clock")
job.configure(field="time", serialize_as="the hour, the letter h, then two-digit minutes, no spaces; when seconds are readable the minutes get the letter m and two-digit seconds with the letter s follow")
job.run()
6h28
